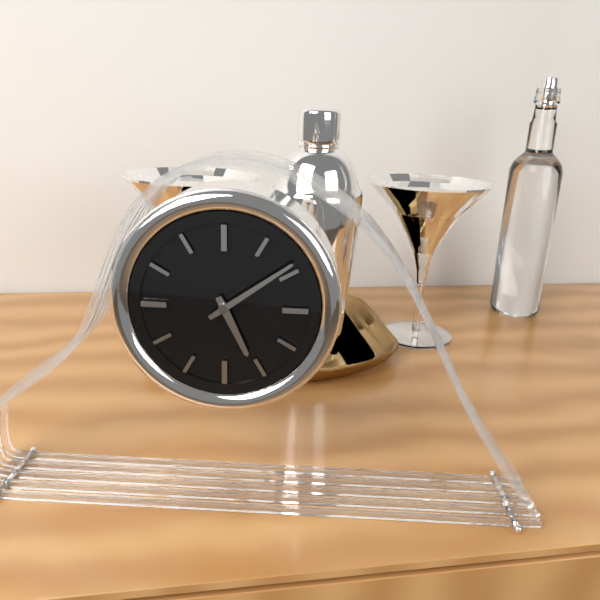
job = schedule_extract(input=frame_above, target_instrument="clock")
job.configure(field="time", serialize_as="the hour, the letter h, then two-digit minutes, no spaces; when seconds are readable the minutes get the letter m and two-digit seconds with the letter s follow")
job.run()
5h09
